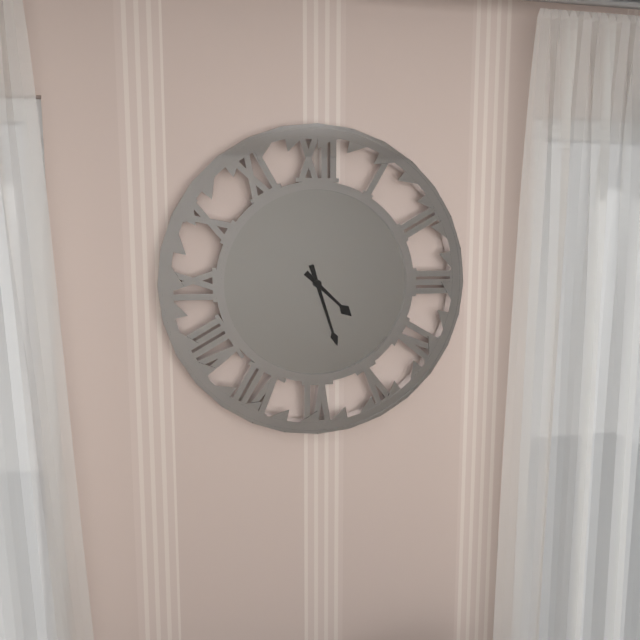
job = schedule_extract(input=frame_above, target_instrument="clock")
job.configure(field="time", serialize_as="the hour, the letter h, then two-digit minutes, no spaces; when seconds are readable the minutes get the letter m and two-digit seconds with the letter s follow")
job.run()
4h27
